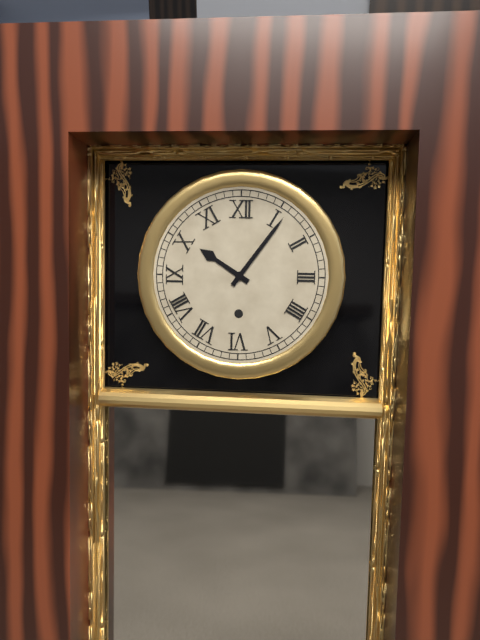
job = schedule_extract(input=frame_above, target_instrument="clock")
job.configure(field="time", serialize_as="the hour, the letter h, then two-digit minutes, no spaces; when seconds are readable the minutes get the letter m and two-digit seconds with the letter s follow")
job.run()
10h06
